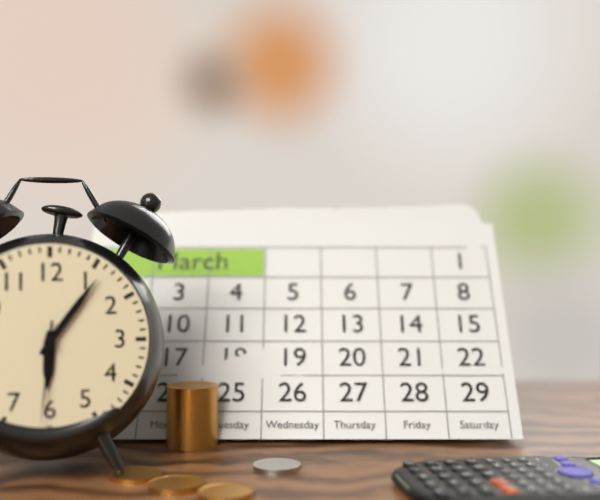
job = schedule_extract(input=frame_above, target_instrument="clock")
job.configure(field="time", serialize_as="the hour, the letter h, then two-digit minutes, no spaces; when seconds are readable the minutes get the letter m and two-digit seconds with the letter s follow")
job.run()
6h06m31s
